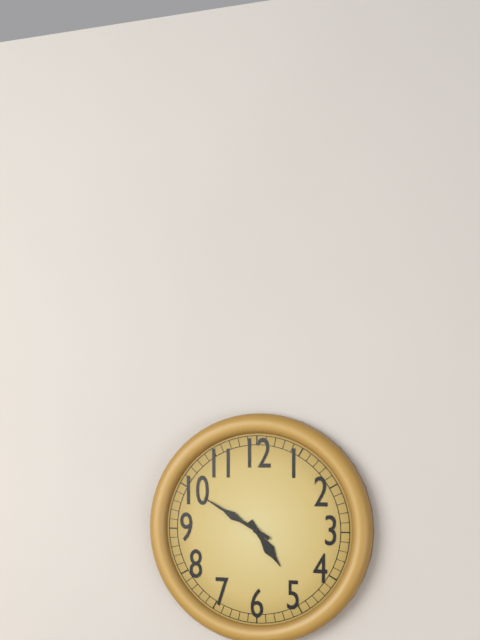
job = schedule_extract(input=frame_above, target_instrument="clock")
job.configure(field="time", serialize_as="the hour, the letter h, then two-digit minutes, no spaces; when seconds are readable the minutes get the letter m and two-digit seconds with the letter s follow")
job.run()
4h50
